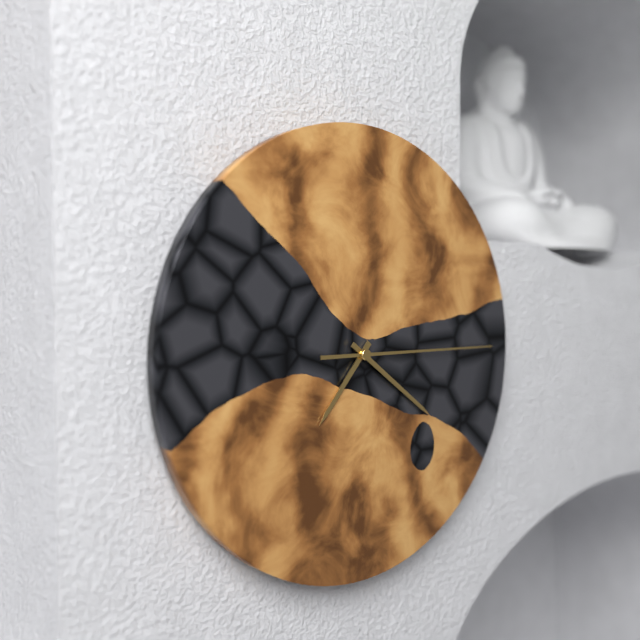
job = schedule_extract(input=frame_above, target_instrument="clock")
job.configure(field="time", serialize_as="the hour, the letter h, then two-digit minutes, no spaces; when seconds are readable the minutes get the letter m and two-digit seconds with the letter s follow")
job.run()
7h21m15s
